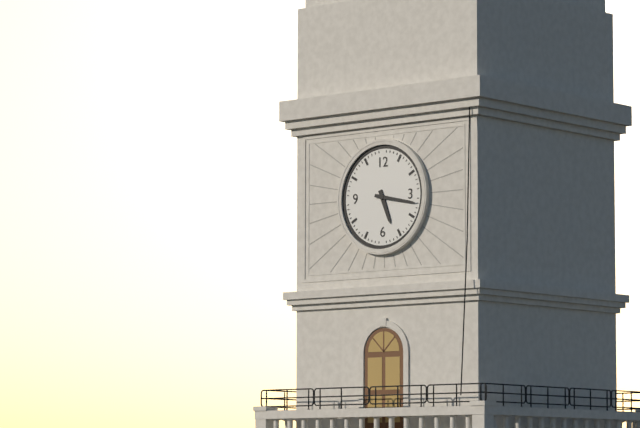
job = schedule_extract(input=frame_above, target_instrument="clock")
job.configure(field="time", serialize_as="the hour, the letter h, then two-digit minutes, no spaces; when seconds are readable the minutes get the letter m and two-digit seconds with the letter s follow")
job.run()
5h17
